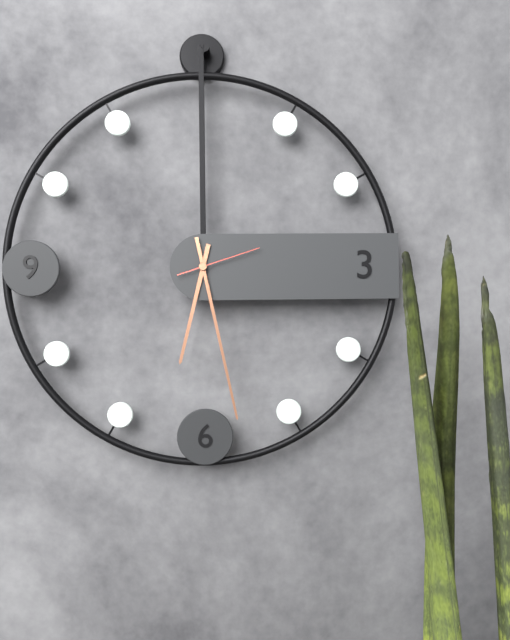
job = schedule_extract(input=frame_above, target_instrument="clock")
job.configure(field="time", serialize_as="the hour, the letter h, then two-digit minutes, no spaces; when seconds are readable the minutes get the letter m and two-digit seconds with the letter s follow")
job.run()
6h28m12s
